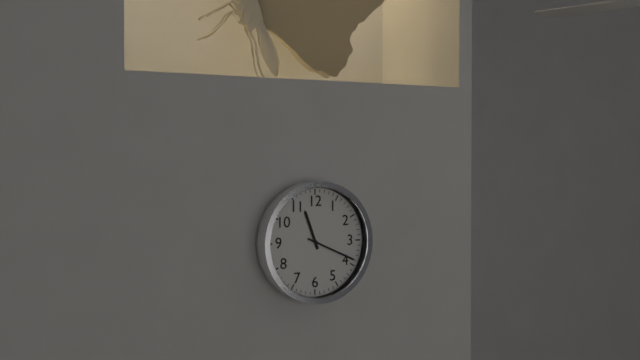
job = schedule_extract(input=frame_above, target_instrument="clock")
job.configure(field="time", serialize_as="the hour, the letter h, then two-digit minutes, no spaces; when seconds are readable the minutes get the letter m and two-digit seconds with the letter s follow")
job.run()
11h19
